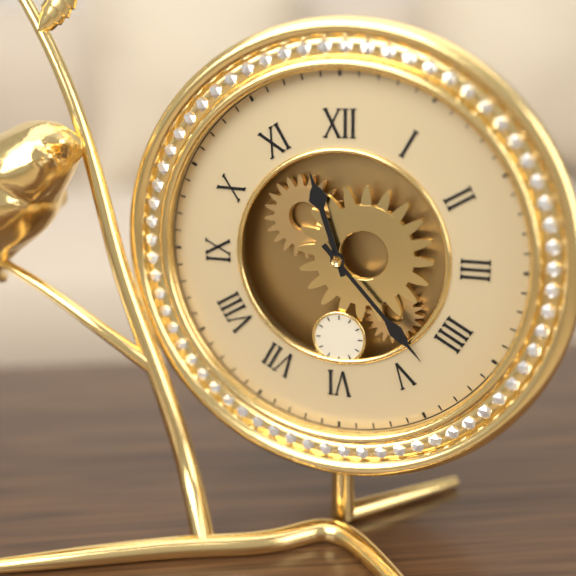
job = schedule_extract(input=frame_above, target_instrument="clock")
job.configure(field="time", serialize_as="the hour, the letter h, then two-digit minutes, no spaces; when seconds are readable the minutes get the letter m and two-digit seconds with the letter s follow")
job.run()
11h23
